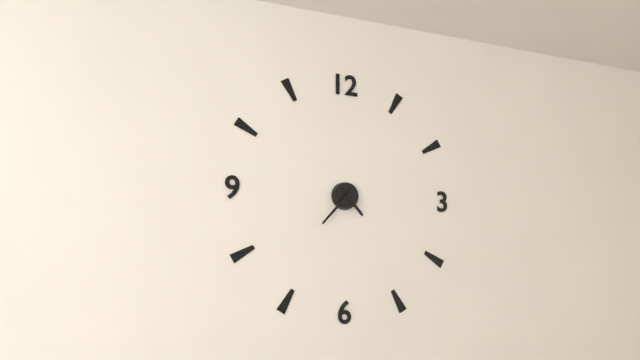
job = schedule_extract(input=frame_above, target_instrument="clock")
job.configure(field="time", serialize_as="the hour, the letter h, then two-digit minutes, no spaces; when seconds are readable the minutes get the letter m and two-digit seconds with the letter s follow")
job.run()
4h37
